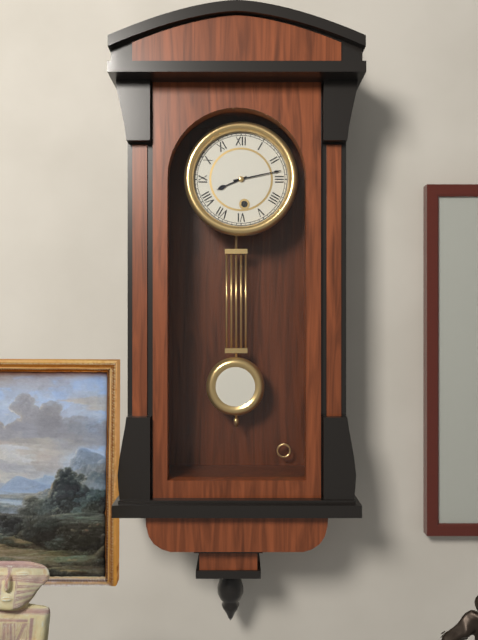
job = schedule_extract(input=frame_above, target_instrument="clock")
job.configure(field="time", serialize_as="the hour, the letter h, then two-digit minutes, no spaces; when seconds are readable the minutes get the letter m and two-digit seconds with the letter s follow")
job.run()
8h13
